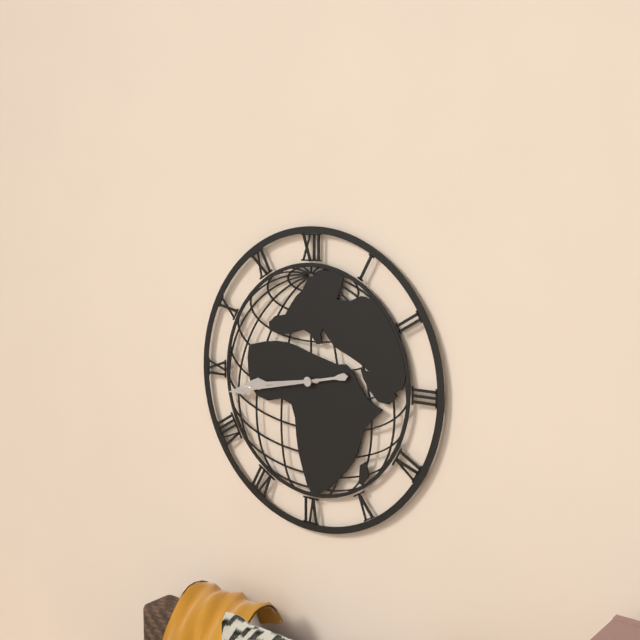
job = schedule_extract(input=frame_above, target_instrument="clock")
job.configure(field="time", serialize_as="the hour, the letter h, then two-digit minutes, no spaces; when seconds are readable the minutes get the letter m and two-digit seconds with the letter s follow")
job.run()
8h43
